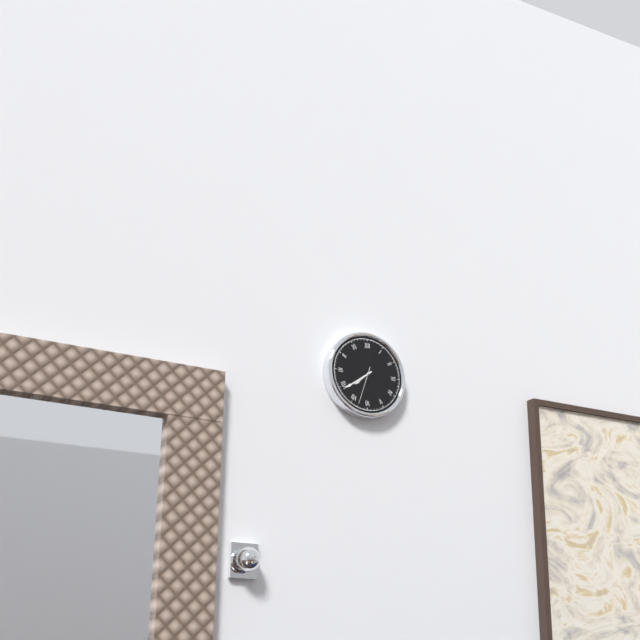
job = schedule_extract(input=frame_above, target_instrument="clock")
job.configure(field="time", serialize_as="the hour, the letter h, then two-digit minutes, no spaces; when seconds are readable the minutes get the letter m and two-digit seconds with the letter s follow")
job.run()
7h39
